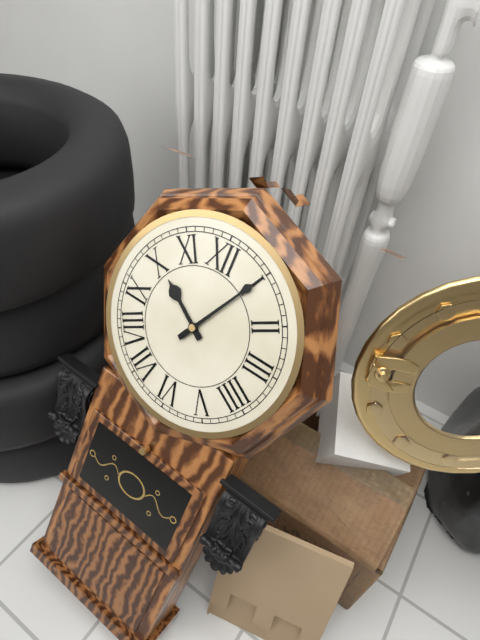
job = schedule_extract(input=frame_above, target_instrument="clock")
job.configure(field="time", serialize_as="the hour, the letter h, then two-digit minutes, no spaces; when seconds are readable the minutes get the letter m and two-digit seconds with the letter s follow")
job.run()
10h05
